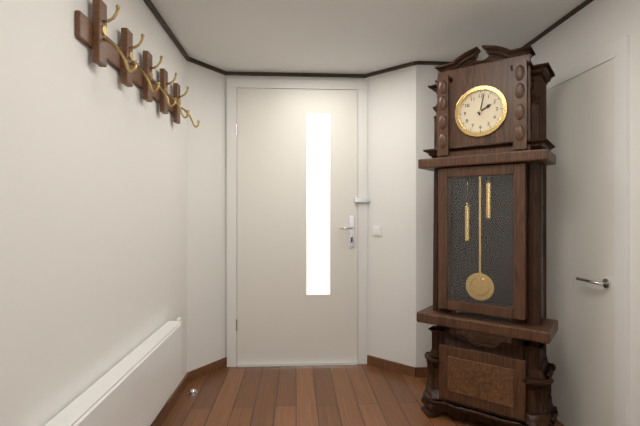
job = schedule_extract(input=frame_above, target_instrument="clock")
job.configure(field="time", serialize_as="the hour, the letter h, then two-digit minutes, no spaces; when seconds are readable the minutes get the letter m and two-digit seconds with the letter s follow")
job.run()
2h02
